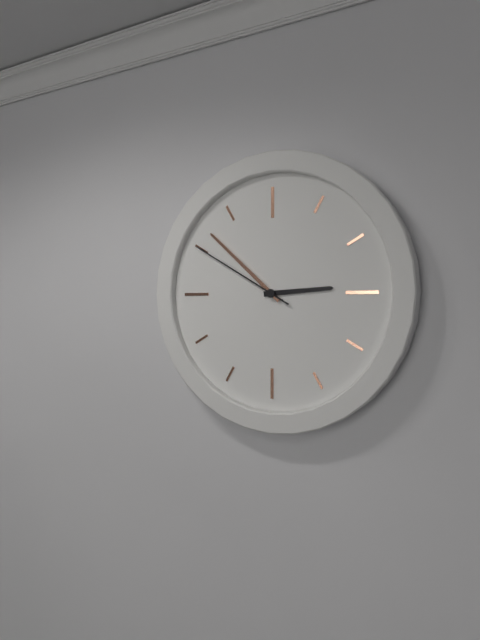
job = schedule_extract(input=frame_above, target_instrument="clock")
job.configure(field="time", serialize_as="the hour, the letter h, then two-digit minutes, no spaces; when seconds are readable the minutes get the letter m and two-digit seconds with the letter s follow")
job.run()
2h52m50s
